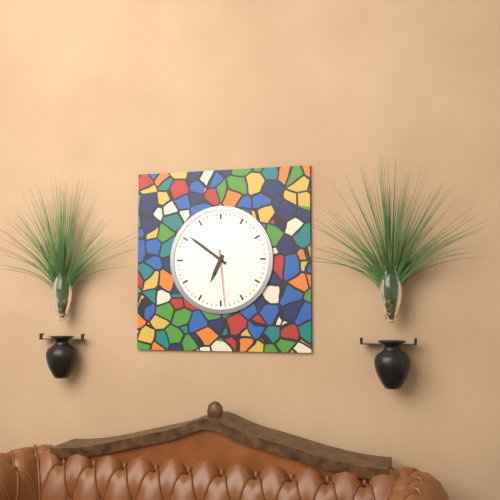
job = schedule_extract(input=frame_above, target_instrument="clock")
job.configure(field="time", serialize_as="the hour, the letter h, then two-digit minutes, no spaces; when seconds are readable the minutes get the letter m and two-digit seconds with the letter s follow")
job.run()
6h51m29s
